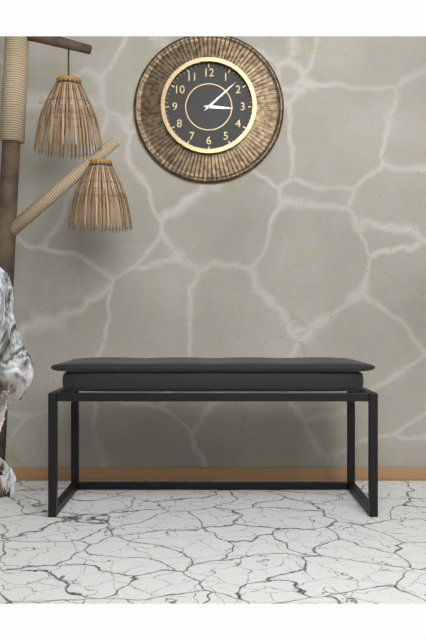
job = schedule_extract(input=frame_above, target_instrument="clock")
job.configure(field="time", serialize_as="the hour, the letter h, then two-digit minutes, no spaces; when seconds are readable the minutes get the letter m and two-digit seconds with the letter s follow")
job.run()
3h08
